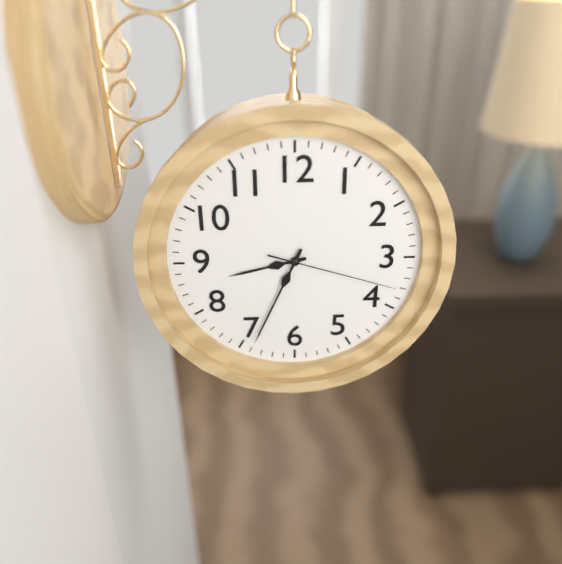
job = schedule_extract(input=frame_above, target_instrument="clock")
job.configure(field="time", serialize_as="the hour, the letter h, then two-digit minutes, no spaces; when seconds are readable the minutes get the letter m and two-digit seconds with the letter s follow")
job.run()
8h34m18s
